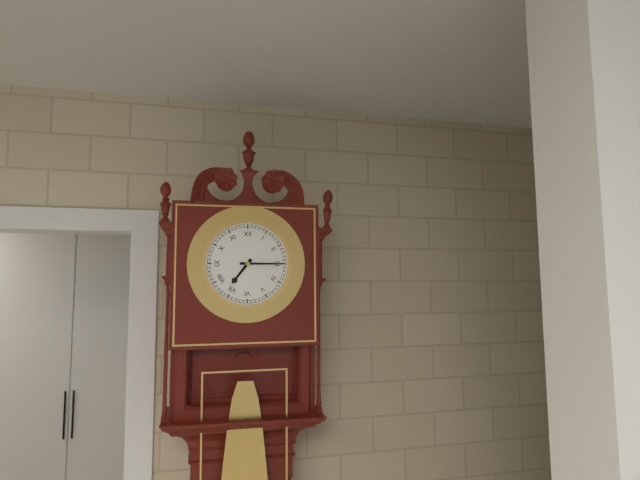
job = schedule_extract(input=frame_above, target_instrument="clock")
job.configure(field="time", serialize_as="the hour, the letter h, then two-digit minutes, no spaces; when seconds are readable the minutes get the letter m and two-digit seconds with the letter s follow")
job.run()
7h15
